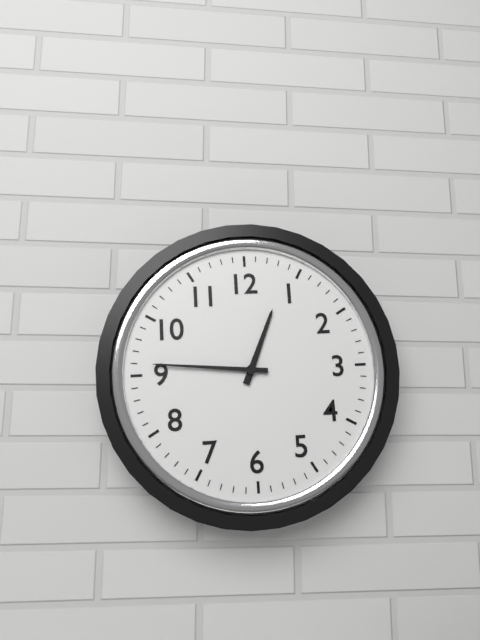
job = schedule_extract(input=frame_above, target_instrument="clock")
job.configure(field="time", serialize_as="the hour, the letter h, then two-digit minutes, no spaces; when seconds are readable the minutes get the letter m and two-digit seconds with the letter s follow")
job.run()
12h46
